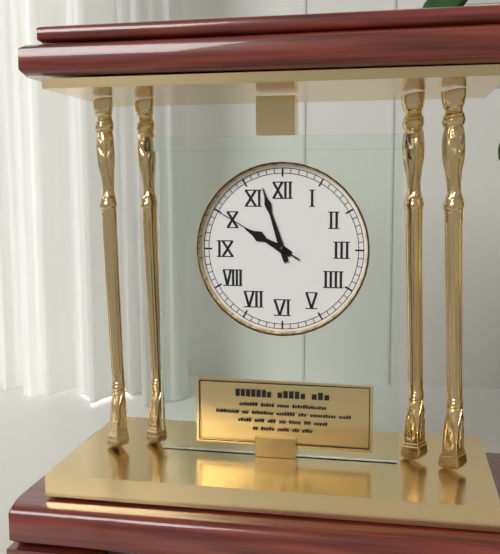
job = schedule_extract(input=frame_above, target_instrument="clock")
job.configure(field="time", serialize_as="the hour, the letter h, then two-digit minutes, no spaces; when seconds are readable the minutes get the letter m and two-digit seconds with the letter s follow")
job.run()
9h57m50s
